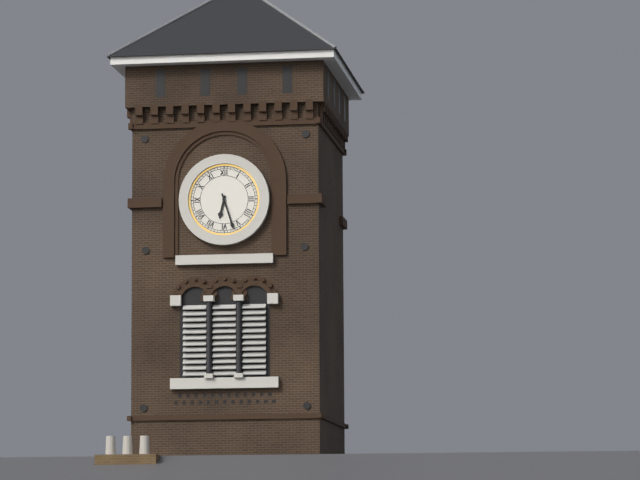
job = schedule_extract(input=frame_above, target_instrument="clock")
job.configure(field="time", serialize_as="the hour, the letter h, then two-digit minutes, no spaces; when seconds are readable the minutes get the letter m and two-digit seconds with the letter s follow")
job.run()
6h27
